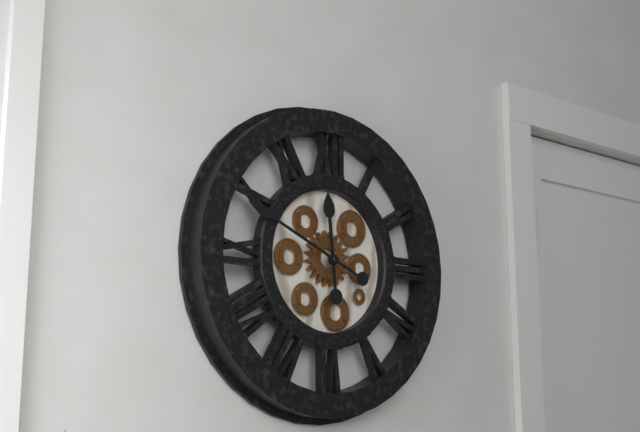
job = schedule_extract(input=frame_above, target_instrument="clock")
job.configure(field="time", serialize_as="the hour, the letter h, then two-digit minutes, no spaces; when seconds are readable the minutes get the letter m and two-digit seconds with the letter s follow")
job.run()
11h49
